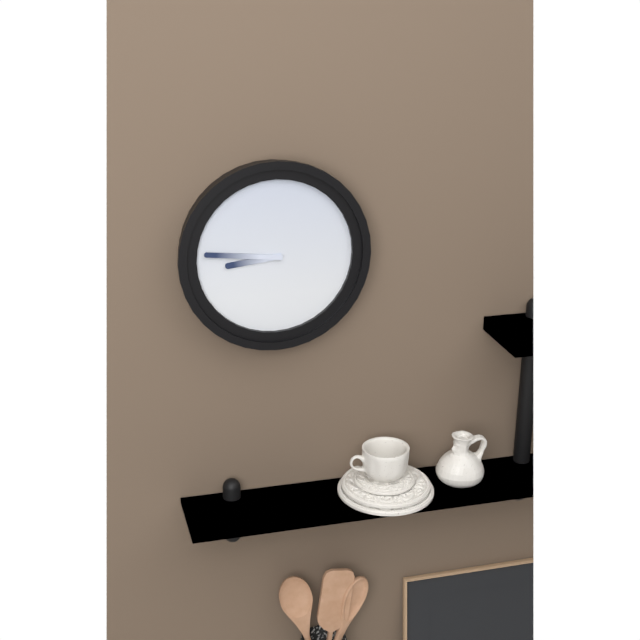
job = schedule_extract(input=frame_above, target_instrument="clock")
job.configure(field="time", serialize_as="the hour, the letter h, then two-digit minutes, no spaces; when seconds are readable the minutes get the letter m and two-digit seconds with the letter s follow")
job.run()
8h46
